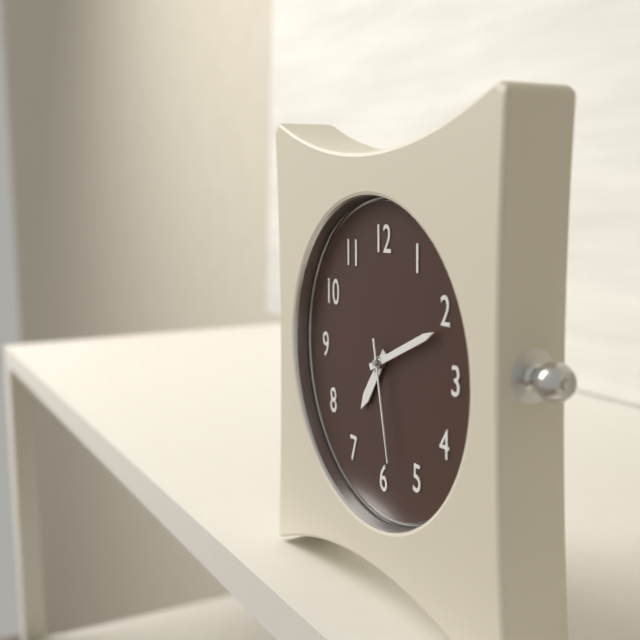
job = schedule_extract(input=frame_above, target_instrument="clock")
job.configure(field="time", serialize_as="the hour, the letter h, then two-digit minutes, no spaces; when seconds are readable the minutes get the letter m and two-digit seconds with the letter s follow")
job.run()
7h11m28s
